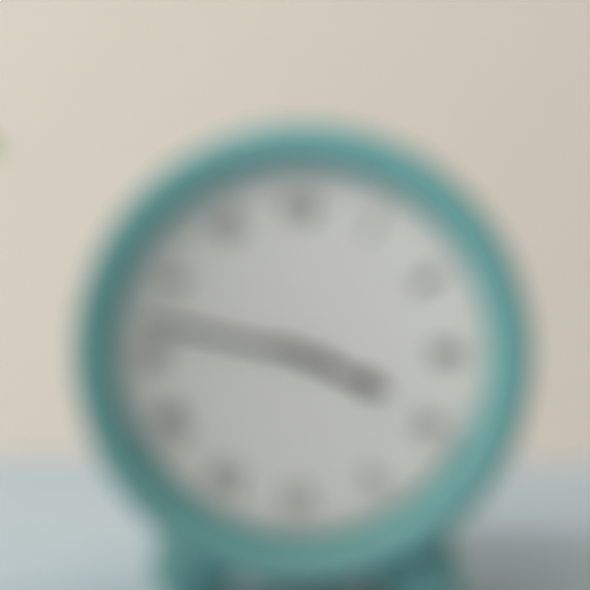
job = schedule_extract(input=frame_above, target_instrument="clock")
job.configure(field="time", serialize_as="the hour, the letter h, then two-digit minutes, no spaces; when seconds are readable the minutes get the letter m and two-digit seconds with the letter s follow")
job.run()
3h47
